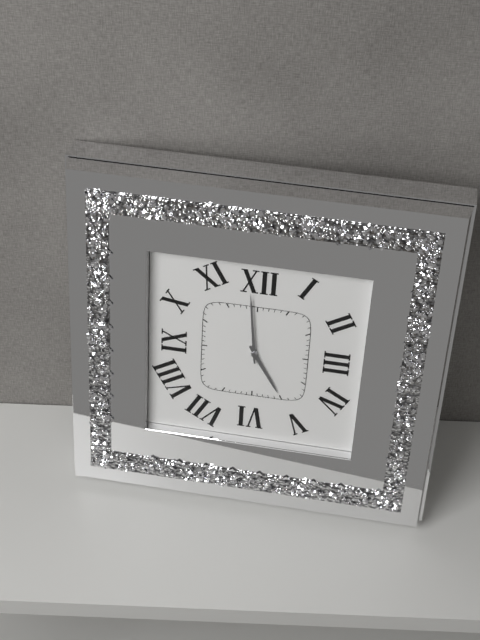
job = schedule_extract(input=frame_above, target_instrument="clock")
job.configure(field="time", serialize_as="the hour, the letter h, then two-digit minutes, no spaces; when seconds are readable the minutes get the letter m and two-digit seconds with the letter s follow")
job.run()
4h59
